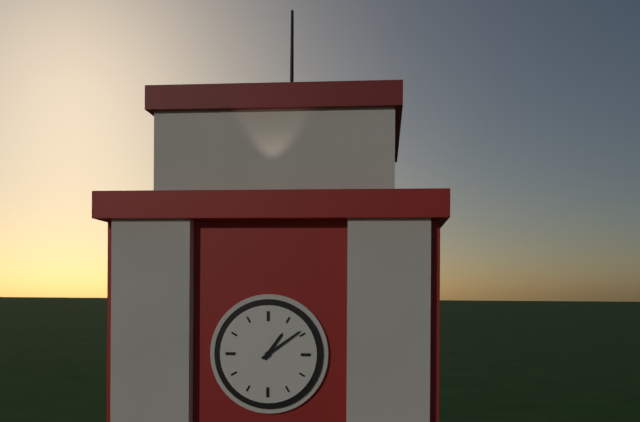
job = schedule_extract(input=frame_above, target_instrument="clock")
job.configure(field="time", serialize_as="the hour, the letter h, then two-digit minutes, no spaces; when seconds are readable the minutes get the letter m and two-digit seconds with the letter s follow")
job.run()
1h09
